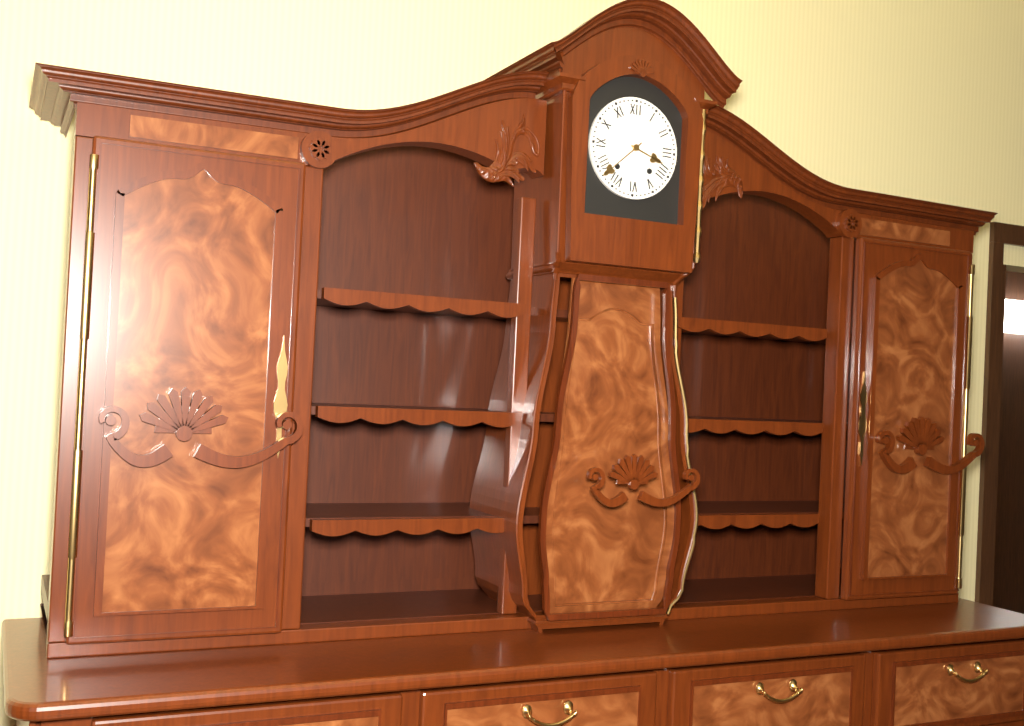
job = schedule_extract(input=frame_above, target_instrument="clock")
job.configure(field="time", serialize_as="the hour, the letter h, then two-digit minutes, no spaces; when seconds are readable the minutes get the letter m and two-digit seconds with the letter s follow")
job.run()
3h38
